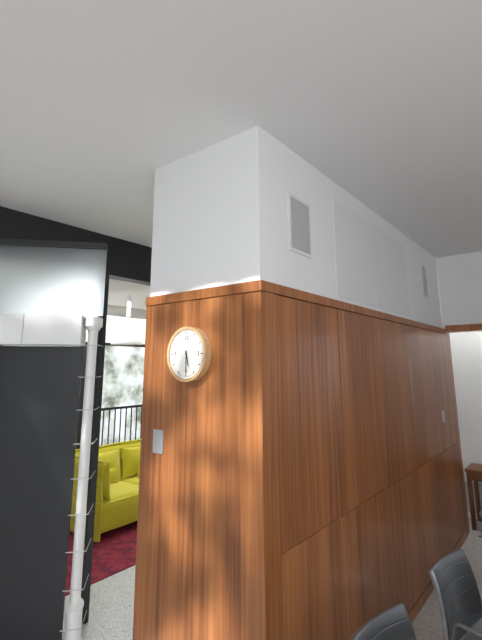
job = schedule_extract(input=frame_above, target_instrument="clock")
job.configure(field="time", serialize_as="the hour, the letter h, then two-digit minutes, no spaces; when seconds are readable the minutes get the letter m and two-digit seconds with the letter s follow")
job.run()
5h30
